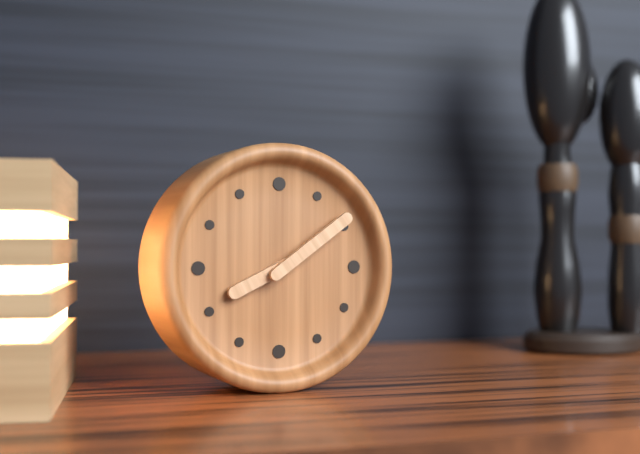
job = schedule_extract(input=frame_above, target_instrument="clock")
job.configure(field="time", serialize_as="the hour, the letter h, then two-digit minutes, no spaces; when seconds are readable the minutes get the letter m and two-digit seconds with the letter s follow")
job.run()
8h09
